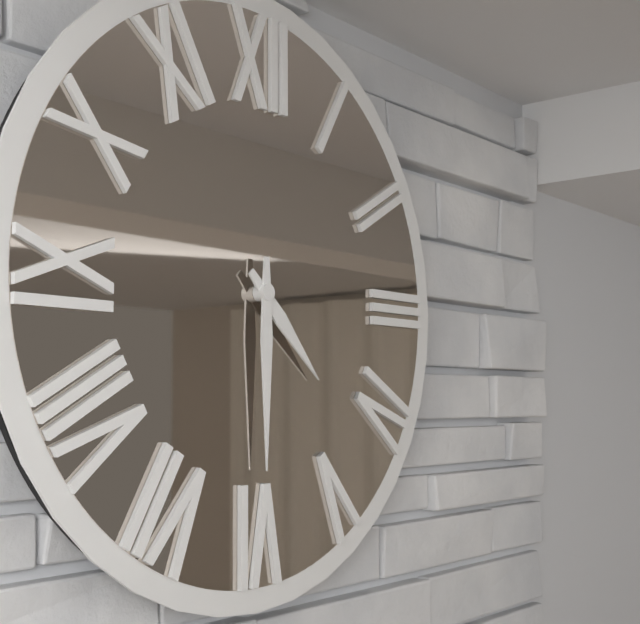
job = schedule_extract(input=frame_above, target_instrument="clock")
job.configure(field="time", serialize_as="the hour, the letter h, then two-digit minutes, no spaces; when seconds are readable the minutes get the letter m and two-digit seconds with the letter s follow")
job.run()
4h30
